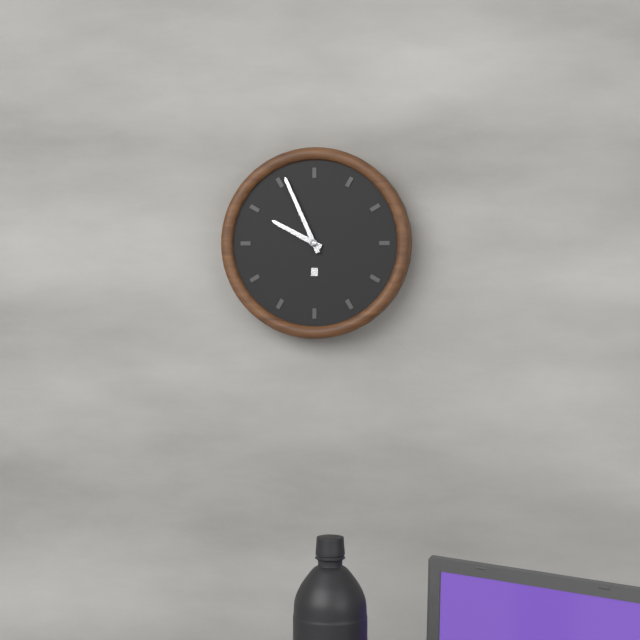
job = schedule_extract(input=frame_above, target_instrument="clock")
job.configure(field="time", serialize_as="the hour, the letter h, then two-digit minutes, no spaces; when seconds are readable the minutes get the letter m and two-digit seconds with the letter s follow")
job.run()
9h56
